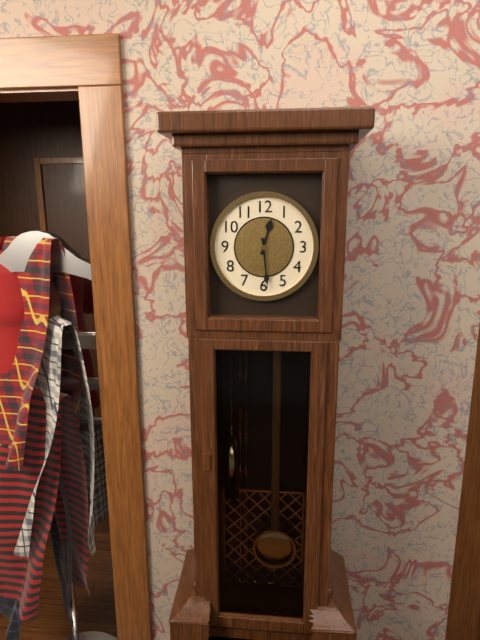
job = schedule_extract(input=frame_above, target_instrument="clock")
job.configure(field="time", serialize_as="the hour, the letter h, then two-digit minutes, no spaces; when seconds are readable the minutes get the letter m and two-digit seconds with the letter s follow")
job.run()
12h29
